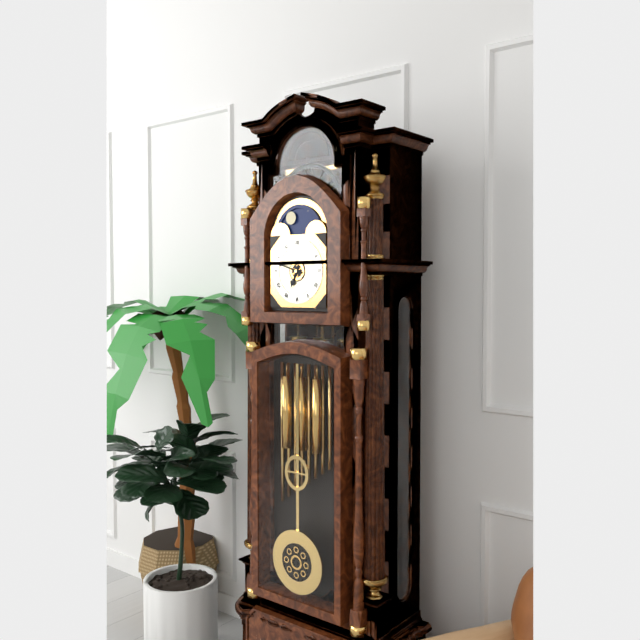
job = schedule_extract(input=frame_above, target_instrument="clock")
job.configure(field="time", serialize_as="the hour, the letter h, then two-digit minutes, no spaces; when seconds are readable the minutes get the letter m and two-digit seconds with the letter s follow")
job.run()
6h48
